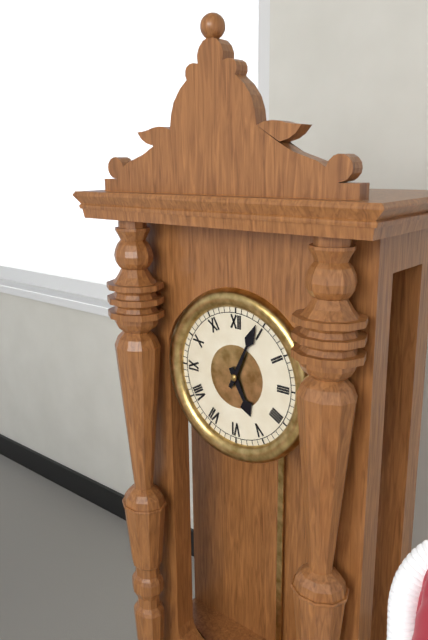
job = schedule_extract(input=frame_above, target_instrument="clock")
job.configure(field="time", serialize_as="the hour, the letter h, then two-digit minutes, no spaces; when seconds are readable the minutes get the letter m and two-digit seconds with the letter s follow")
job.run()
5h04
